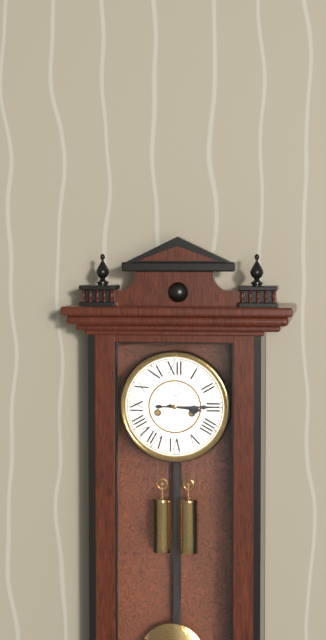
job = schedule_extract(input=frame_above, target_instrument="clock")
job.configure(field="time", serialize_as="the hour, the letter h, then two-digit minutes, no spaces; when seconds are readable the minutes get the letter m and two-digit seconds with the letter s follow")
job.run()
3h15
